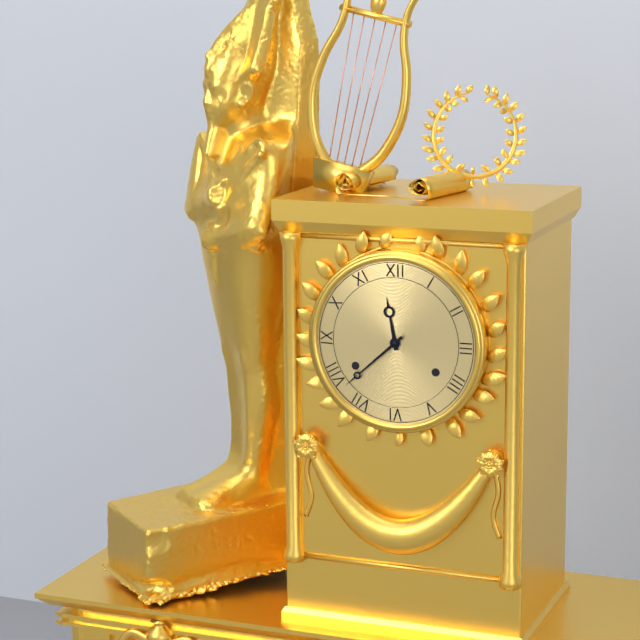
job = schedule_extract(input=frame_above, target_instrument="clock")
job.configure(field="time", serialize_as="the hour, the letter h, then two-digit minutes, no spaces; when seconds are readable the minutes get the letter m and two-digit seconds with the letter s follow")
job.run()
11h38
